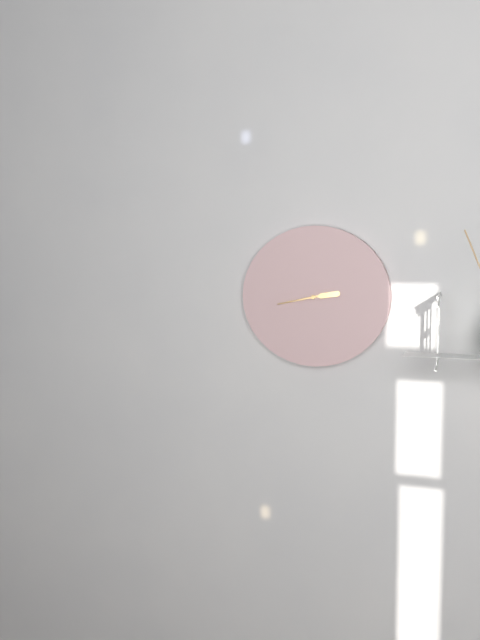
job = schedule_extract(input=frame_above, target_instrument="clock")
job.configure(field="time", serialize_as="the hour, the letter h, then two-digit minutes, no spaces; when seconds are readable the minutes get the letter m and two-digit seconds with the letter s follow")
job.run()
2h43
